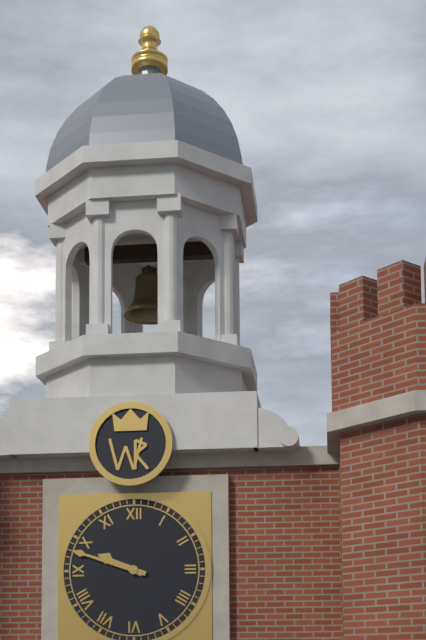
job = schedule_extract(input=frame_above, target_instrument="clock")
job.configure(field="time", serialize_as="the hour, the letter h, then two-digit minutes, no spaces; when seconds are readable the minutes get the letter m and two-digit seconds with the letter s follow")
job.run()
9h48
